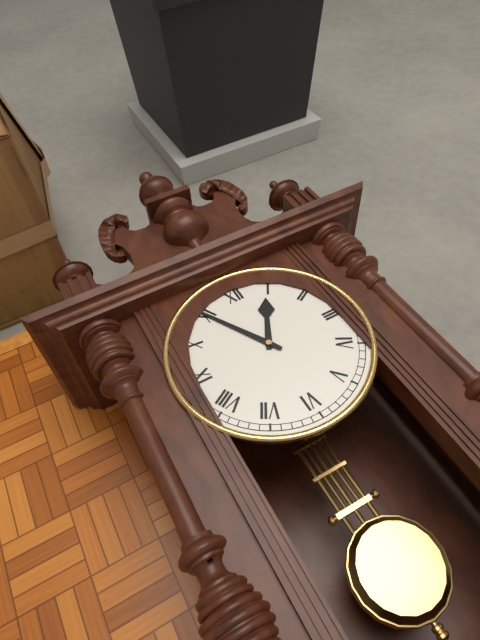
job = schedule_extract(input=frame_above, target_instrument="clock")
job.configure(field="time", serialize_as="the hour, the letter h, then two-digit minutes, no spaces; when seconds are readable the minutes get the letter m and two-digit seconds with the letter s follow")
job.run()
12h55
